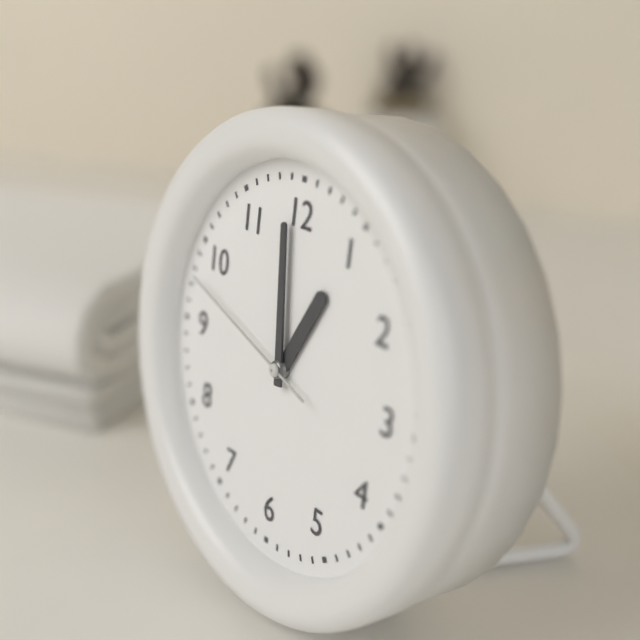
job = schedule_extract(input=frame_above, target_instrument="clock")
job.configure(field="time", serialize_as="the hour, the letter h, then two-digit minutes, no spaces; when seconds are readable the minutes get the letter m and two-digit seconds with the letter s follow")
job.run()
12h59m48s
